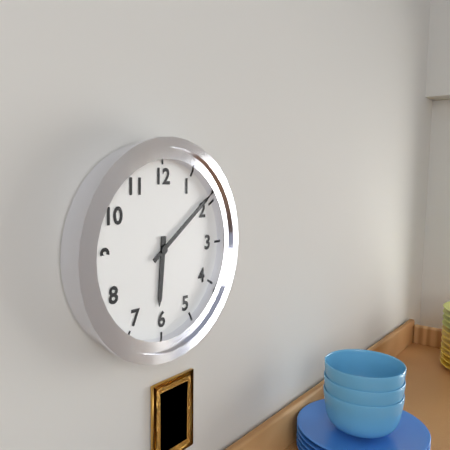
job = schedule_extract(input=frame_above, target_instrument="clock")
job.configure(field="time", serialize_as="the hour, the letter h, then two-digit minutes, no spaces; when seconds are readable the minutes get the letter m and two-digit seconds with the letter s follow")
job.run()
6h09
